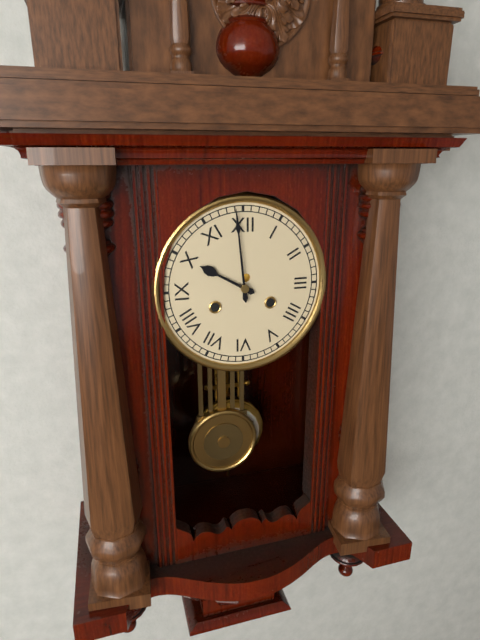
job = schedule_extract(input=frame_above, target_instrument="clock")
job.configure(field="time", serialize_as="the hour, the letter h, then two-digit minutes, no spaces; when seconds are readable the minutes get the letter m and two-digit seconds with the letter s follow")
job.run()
9h59
